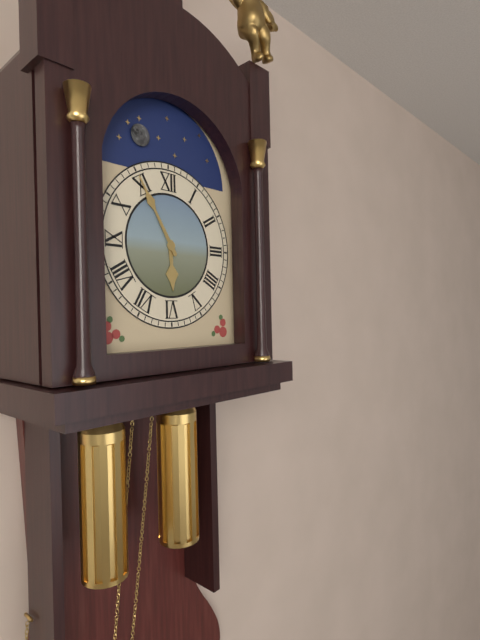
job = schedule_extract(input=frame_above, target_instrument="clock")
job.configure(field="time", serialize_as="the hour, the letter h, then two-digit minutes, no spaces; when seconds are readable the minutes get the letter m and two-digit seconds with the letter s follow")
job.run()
5h55
